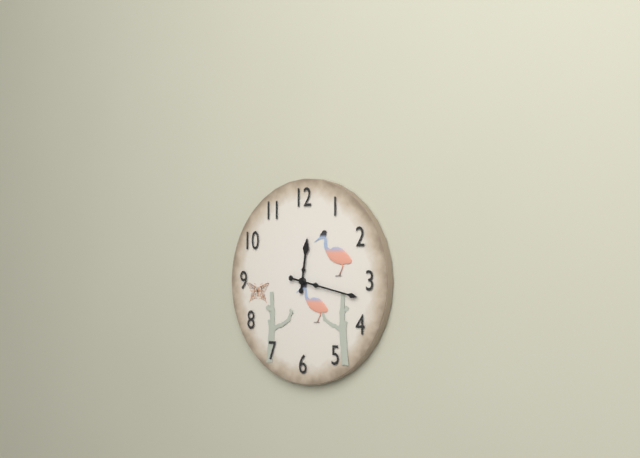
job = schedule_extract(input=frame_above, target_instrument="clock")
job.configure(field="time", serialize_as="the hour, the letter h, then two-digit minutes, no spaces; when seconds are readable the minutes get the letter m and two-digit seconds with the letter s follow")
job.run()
12h17
